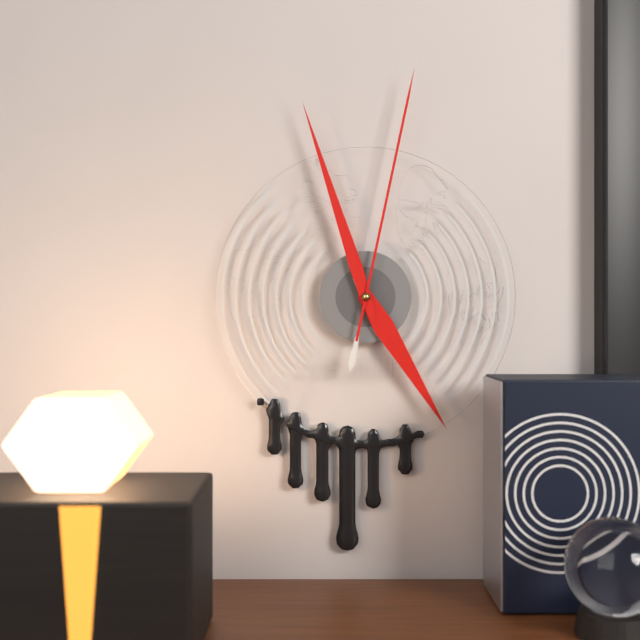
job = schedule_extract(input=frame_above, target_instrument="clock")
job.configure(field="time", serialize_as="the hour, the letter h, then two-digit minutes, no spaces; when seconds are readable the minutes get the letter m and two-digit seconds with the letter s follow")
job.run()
4h57m02s
